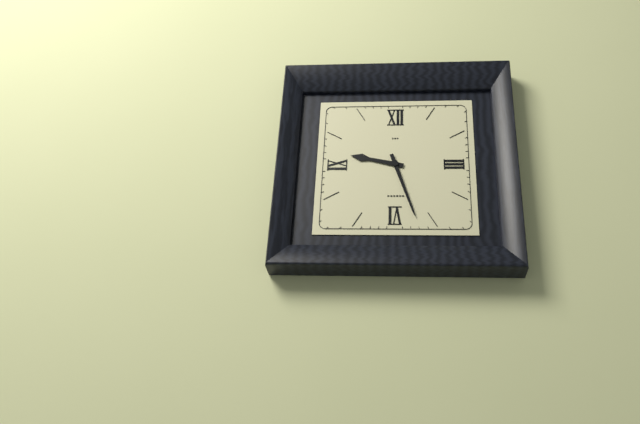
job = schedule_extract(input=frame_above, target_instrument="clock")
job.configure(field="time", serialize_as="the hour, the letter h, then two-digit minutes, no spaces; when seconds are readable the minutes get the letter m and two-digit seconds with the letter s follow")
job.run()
9h27
